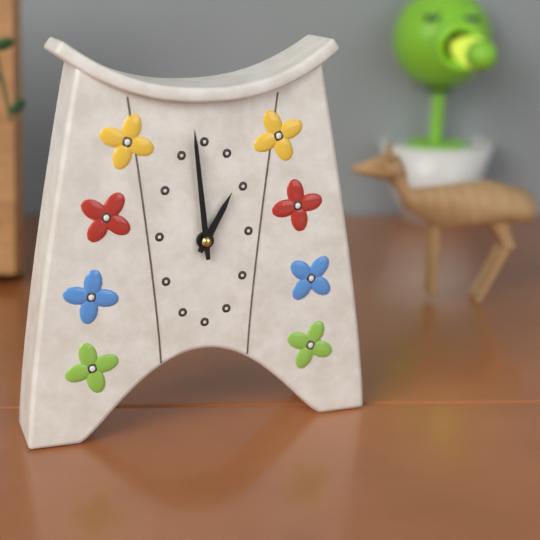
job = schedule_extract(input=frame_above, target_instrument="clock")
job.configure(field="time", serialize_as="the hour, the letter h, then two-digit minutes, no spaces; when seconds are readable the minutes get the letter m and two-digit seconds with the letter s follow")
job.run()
12h59
